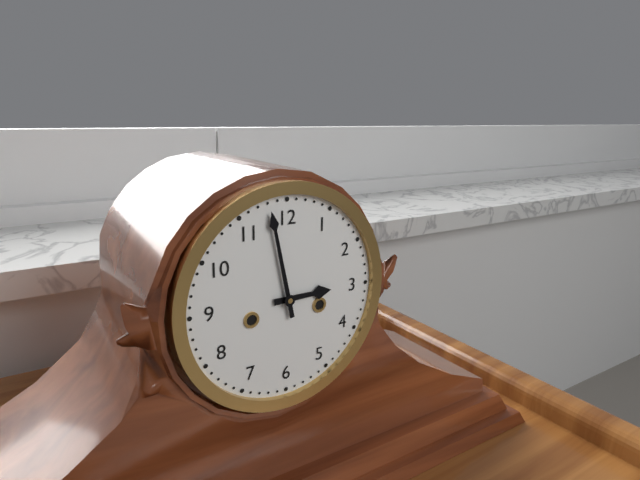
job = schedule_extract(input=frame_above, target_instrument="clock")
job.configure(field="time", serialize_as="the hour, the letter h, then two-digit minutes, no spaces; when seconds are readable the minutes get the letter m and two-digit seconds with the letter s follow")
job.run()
2h58
